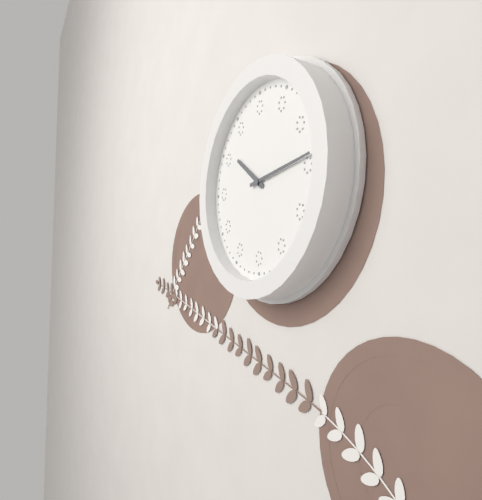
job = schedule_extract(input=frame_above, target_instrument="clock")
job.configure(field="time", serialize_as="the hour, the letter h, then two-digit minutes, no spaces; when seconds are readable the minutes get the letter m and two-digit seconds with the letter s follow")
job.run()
10h14
